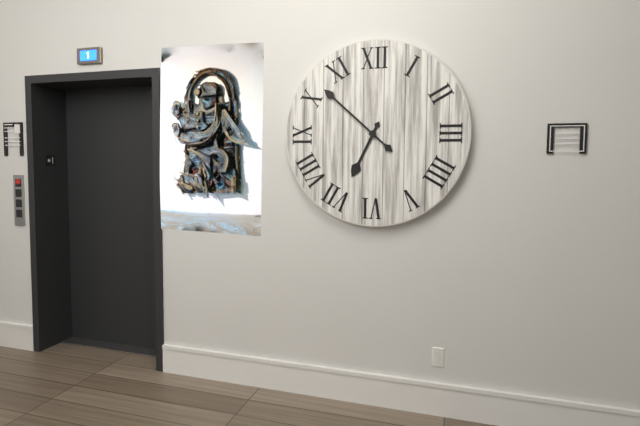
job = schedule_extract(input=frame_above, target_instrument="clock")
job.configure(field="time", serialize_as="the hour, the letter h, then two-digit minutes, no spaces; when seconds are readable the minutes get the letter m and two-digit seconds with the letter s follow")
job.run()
6h52
